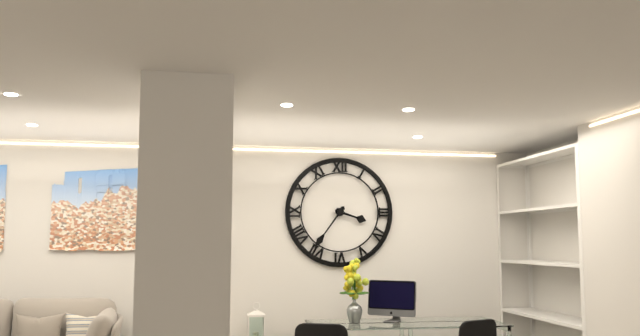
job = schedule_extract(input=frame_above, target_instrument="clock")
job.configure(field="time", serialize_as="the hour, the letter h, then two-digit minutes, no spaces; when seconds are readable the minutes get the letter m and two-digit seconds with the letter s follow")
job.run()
3h36
